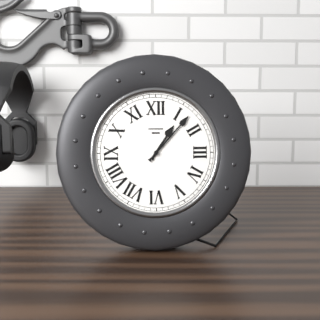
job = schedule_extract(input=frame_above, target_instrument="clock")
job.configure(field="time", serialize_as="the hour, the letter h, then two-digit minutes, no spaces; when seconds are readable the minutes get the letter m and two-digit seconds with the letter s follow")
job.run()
1h07
